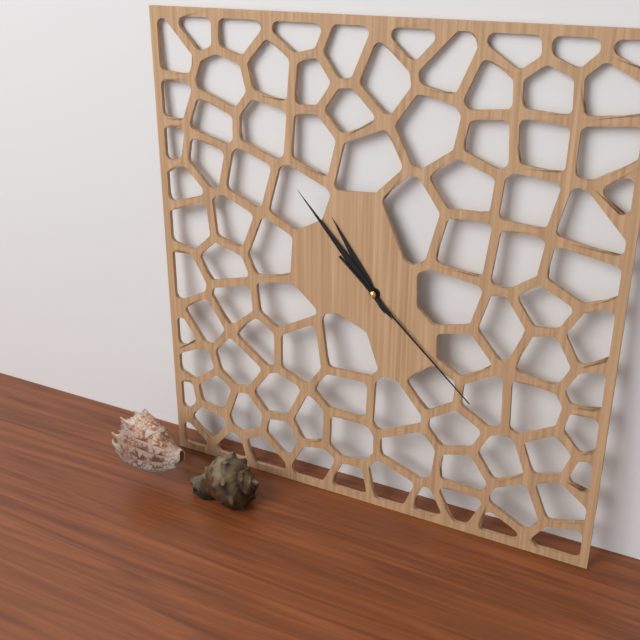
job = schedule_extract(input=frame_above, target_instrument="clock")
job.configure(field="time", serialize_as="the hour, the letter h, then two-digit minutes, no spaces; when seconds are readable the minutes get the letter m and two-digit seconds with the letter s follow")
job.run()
10h53m22s
